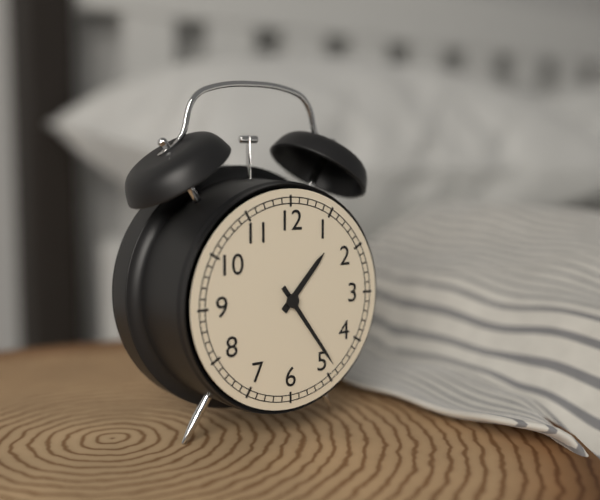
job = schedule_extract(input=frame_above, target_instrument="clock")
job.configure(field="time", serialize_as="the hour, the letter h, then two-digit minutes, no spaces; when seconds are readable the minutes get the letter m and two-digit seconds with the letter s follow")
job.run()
1h24
